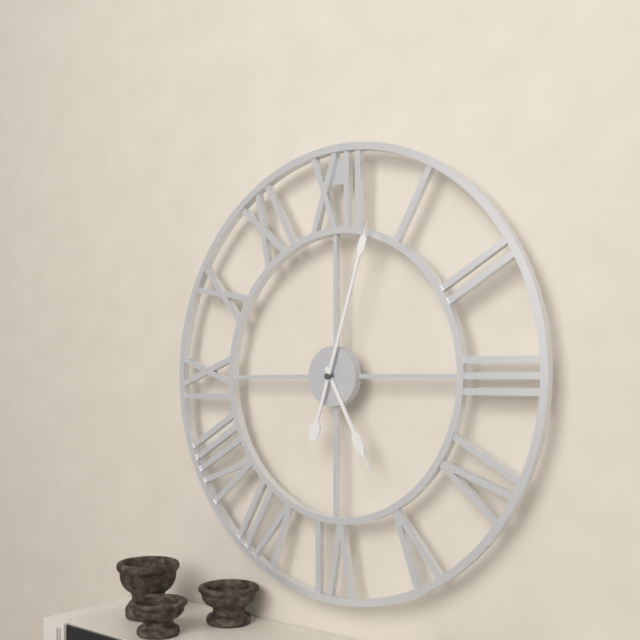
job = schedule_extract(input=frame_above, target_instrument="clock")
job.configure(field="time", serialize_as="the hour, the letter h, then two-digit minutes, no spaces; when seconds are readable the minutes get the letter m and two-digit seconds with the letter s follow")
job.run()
5h03
